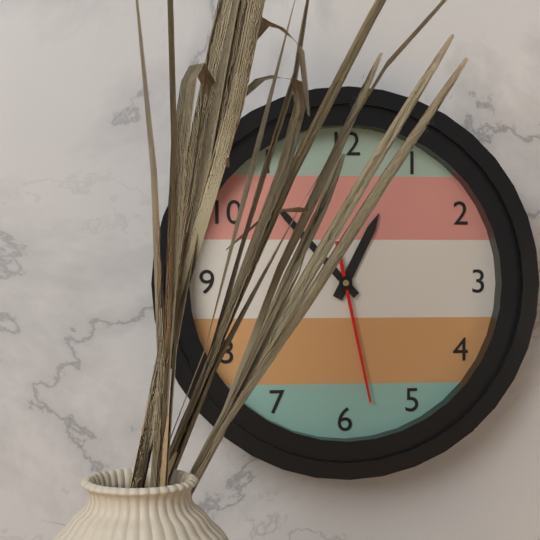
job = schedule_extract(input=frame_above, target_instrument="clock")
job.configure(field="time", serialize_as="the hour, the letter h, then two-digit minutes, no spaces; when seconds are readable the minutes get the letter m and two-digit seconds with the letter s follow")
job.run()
12h53m28s
